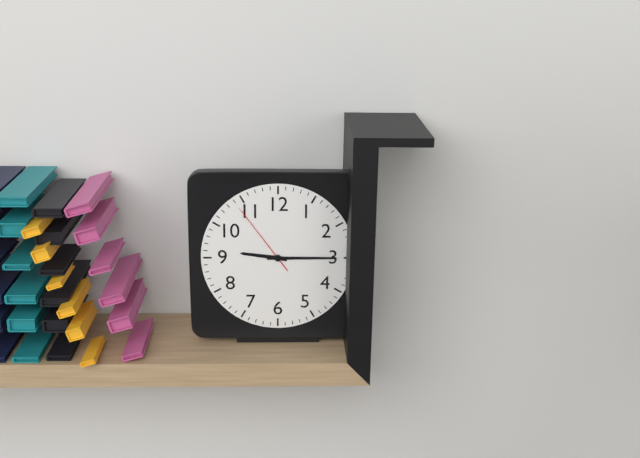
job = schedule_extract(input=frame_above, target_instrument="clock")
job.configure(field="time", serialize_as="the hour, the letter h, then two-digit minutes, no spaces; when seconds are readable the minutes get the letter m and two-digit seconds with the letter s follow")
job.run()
9h15m54s
